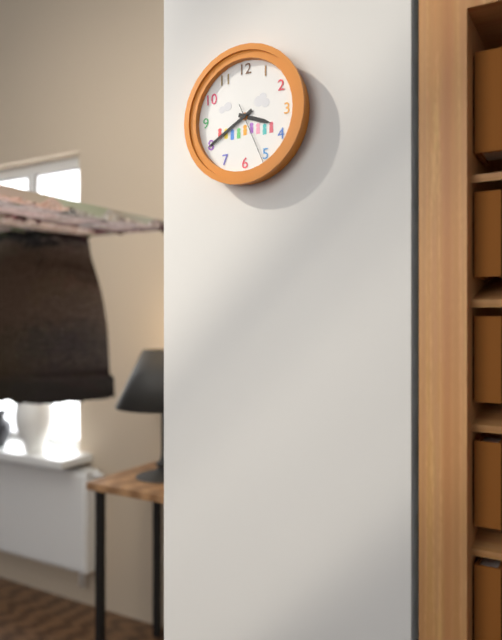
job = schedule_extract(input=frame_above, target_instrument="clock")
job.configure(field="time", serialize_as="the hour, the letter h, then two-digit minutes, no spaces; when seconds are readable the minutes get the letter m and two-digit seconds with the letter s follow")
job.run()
3h40m26s
